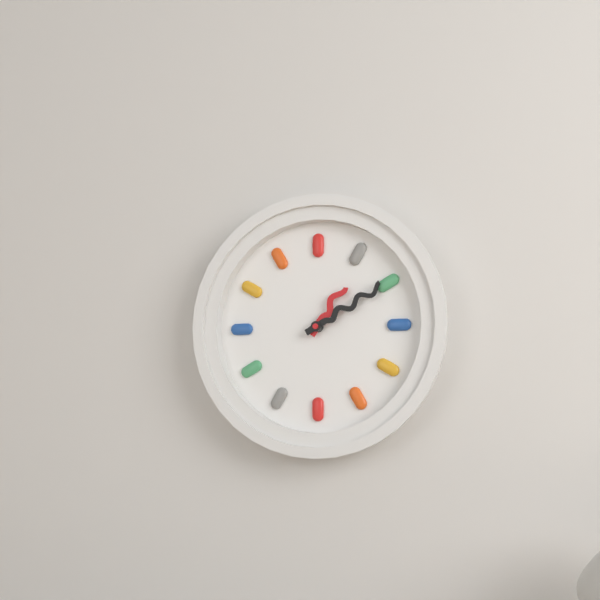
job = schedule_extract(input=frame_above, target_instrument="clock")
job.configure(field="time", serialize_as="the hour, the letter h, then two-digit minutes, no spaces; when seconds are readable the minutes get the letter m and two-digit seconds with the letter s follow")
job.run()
1h10
